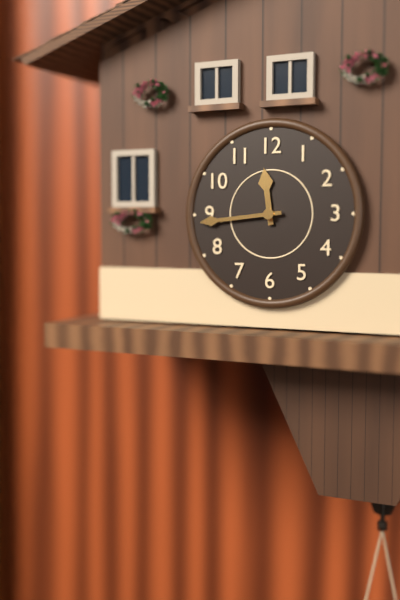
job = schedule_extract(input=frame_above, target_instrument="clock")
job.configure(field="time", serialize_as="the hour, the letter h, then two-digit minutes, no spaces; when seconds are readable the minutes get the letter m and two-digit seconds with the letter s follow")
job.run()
11h44
